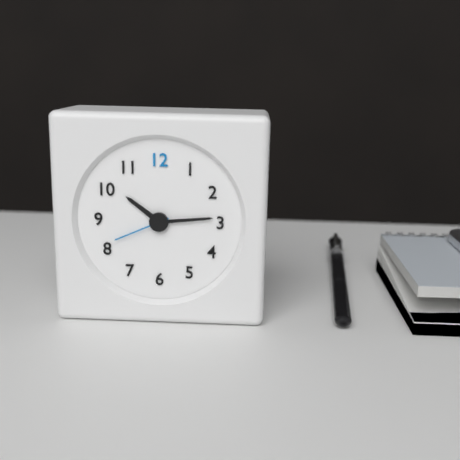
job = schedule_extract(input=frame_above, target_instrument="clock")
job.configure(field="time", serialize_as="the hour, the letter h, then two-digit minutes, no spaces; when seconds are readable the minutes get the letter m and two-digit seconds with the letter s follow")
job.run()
10h14m41s
